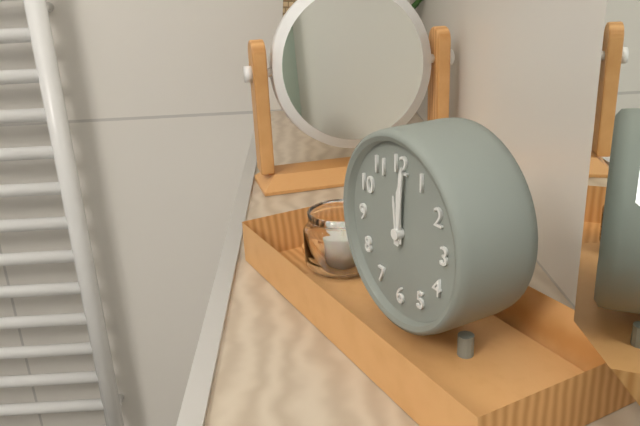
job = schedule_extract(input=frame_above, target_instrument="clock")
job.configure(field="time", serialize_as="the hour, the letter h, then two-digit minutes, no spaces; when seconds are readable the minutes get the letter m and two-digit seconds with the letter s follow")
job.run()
12h01
